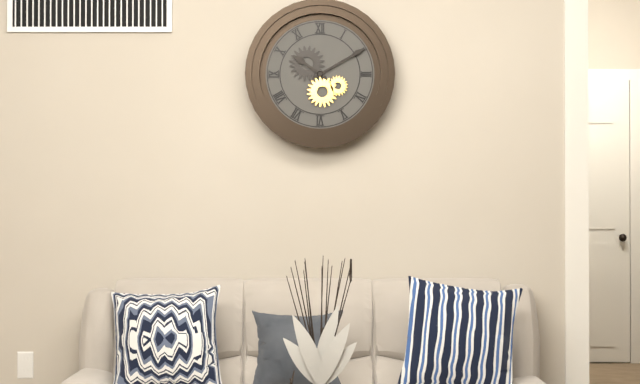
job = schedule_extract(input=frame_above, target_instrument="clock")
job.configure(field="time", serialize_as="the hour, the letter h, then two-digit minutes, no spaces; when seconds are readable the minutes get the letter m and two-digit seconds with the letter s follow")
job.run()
10h10
